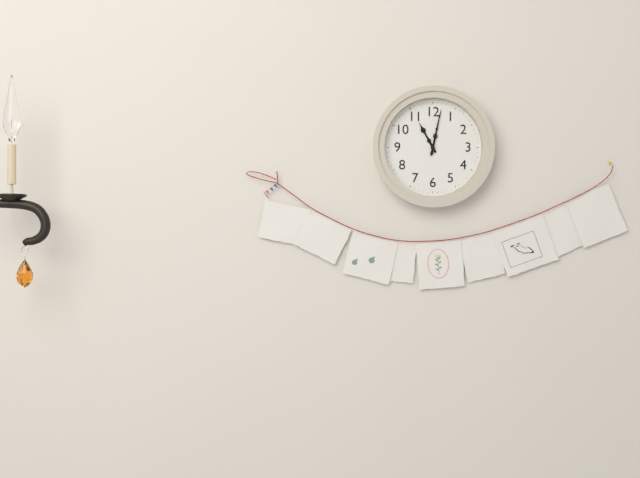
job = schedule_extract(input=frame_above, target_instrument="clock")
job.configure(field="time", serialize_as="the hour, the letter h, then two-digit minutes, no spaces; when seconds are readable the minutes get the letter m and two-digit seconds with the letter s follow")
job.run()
11h02
